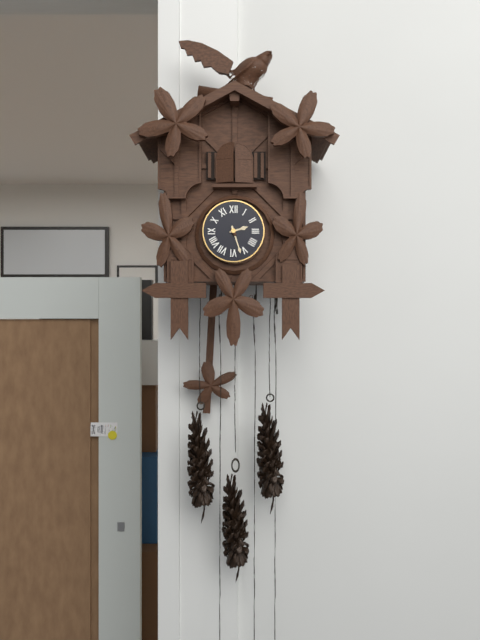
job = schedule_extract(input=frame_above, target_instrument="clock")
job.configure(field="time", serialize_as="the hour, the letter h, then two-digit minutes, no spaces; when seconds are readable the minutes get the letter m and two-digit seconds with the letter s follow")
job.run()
2h27
